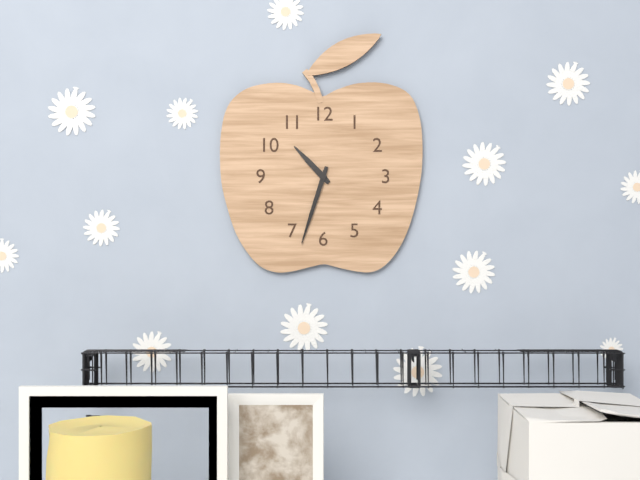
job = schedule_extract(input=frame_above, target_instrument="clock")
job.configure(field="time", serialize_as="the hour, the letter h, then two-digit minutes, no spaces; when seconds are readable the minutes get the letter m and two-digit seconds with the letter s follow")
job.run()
10h33
